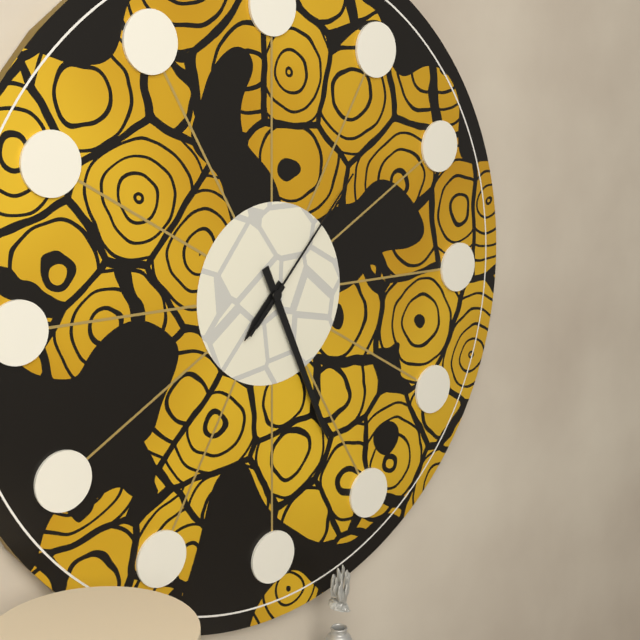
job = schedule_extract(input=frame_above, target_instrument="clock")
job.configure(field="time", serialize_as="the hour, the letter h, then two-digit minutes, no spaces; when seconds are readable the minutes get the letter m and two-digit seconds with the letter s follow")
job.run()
7h26m07s
